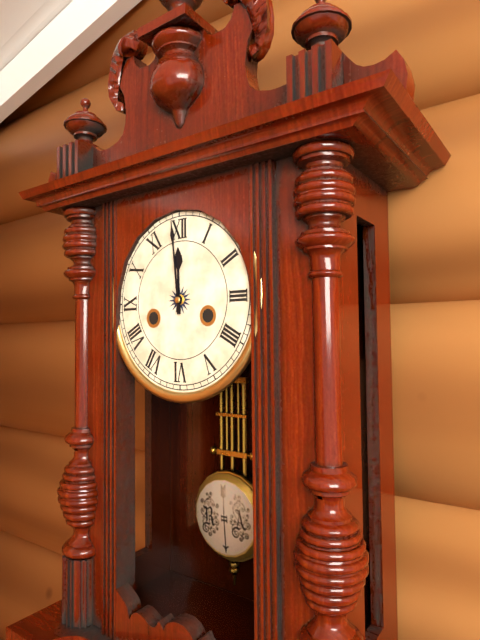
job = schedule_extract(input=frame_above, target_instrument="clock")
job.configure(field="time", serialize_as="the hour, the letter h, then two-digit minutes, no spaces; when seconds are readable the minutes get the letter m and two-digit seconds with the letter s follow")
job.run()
11h59
